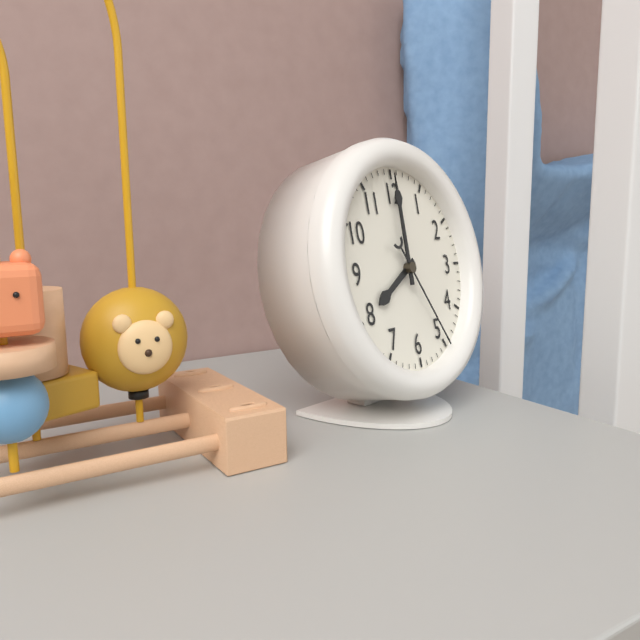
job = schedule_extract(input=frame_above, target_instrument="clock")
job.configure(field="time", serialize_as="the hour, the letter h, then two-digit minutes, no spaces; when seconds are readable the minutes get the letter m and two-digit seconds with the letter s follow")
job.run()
8h00m25s
